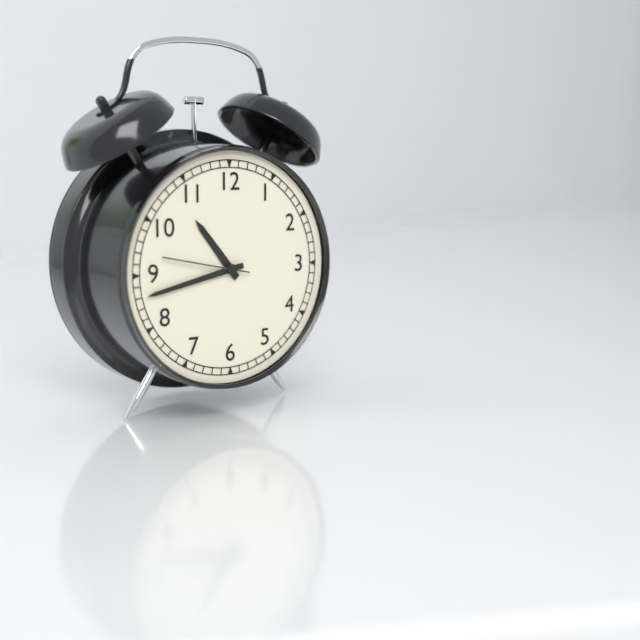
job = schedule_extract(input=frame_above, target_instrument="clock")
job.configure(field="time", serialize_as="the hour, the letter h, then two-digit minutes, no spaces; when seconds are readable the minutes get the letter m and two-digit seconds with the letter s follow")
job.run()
10h43m47s
